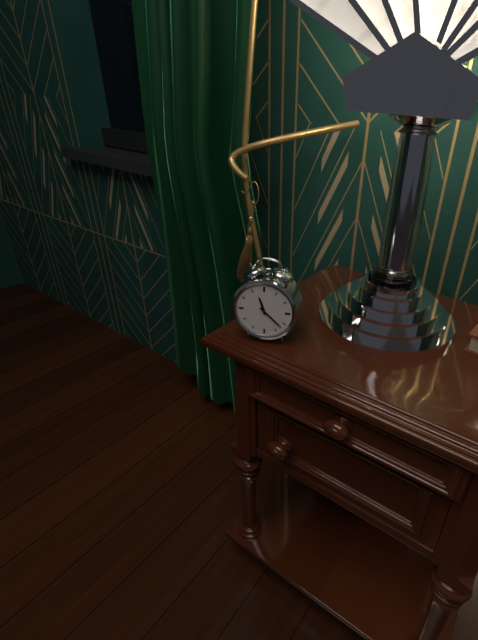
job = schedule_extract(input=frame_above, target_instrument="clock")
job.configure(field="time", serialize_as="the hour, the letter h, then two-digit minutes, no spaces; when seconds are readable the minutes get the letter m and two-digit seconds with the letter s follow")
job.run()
11h22
